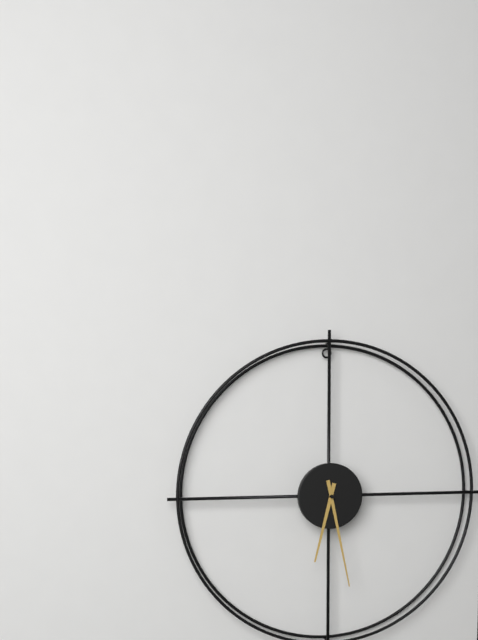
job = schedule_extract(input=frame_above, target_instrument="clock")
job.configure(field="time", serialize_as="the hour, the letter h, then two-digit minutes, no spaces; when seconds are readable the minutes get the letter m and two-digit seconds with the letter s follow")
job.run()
6h28
